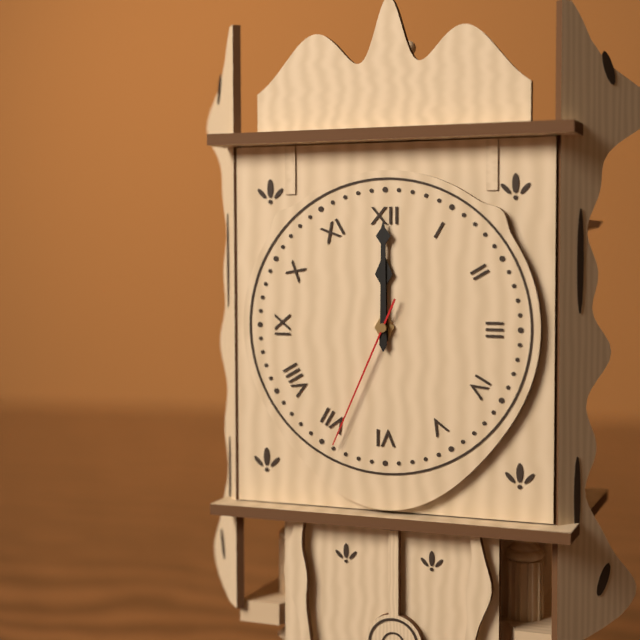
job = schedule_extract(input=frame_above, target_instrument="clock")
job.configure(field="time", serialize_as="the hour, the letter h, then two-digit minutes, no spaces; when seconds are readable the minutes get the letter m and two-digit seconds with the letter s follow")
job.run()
12h00m34s
